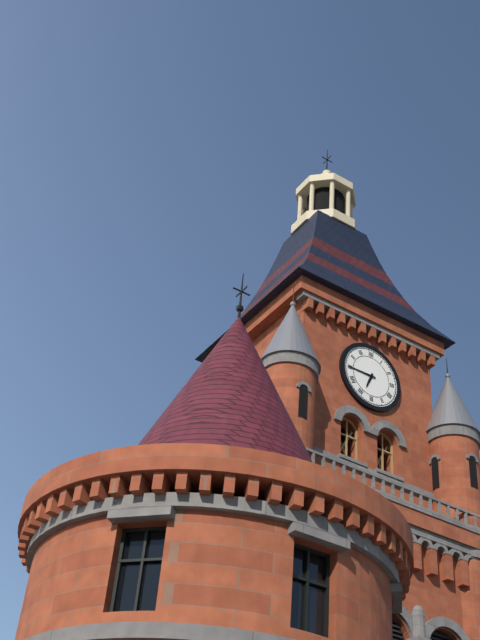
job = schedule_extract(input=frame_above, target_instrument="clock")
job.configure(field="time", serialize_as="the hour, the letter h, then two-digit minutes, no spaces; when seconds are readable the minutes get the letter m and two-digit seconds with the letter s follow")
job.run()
6h45
